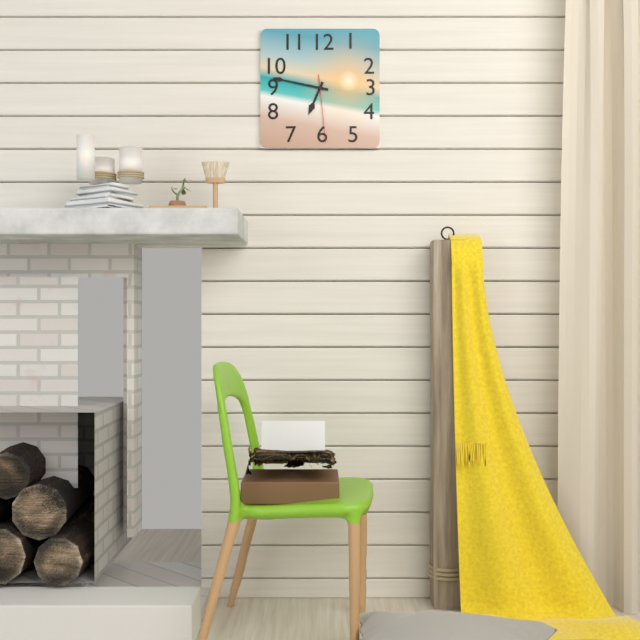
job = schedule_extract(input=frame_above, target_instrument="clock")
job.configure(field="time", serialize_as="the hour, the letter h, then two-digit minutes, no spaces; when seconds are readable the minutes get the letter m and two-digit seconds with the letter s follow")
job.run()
6h47m29s
